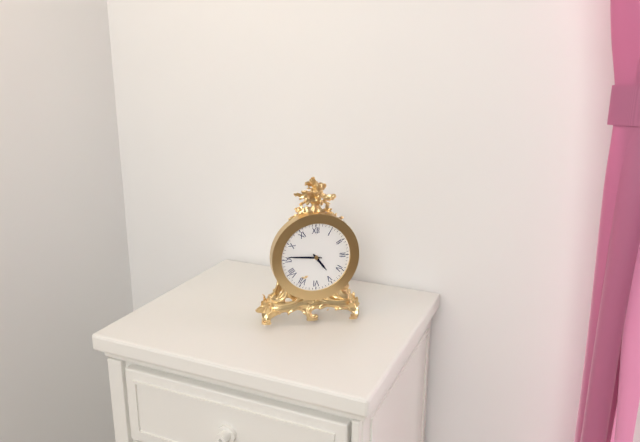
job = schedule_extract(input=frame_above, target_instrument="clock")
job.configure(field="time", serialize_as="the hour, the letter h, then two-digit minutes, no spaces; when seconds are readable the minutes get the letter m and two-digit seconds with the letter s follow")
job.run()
4h46
